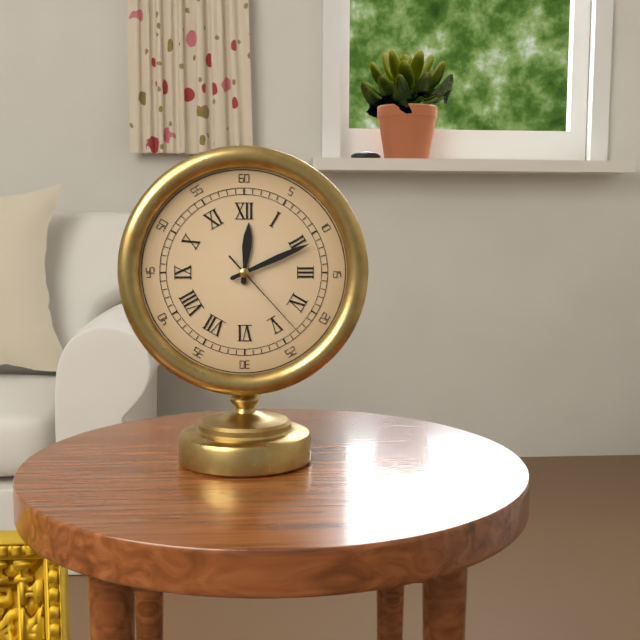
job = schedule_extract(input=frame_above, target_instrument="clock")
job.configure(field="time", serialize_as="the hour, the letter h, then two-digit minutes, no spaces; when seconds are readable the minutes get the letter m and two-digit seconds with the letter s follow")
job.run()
12h11m23s
